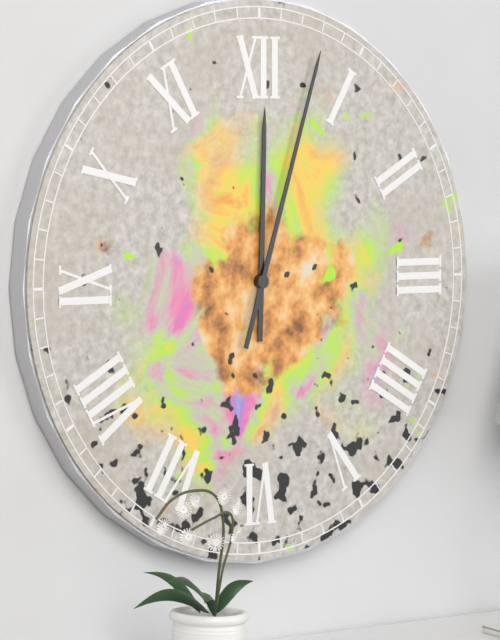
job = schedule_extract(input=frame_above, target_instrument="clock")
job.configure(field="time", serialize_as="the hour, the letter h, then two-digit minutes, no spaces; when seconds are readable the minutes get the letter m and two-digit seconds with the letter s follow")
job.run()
12h03
